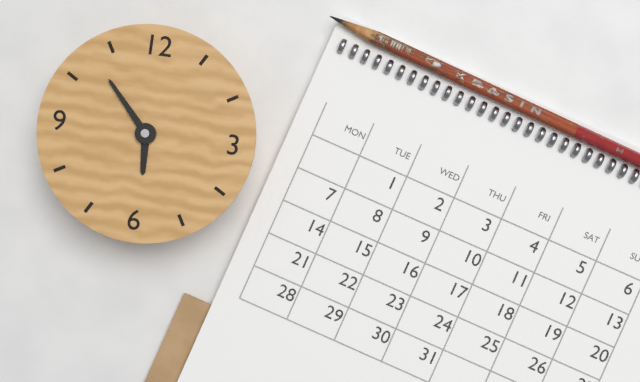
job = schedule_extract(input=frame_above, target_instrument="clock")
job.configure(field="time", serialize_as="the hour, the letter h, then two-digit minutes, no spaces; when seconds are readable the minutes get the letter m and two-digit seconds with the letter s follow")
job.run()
5h53
